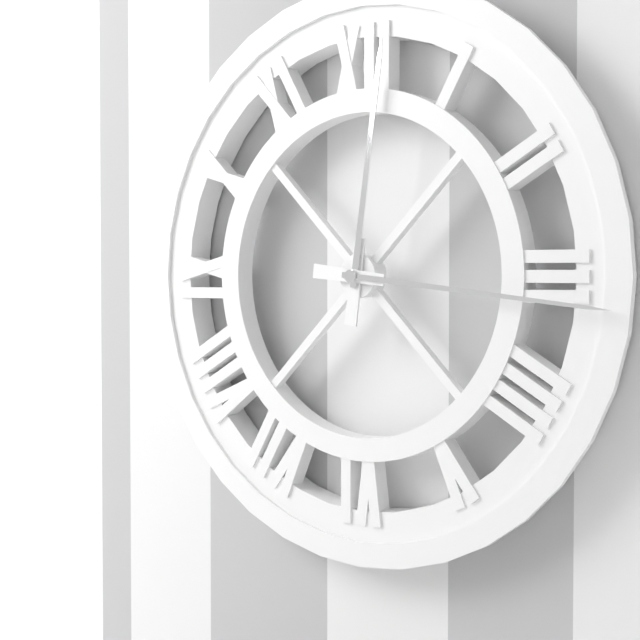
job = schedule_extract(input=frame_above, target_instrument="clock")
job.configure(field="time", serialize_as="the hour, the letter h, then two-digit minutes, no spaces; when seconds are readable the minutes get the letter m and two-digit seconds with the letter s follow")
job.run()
12h16
